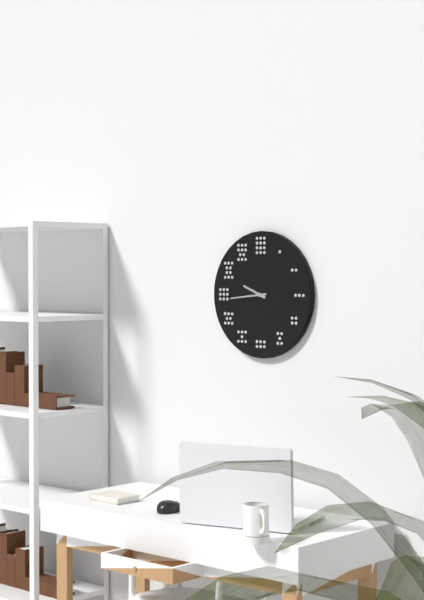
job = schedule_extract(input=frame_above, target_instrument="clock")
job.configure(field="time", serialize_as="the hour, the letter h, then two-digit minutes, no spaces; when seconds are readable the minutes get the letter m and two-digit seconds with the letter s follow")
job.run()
9h44
